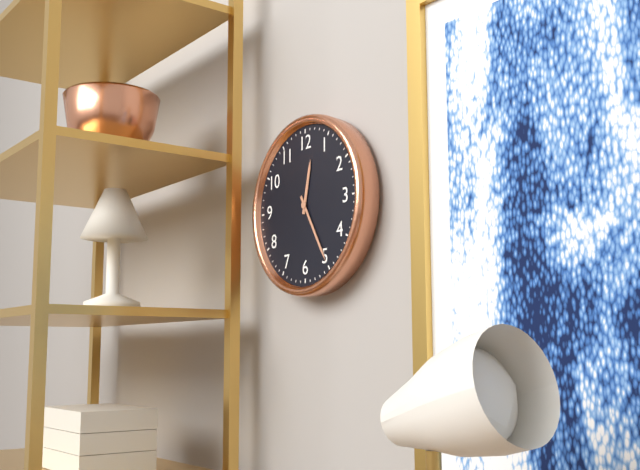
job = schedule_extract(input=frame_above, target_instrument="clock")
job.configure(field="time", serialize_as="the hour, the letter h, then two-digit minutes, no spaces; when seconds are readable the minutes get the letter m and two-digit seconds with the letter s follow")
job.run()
12h25
